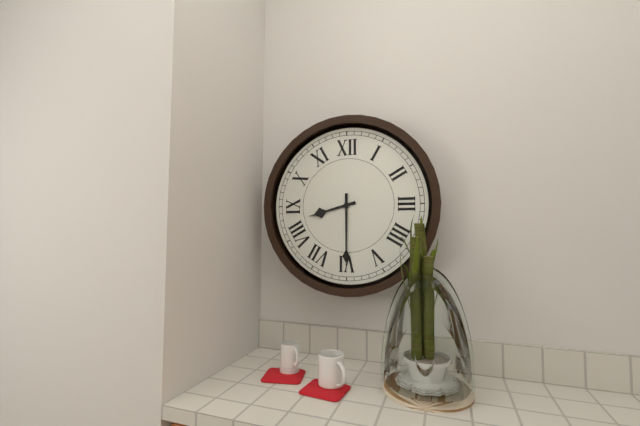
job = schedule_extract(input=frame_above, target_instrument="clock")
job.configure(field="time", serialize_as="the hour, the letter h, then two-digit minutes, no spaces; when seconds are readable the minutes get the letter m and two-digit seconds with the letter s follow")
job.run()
8h30
